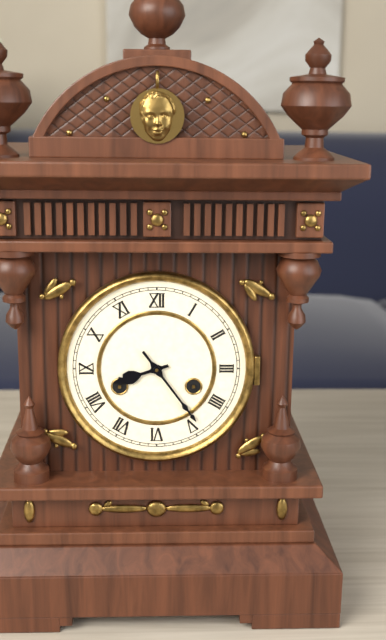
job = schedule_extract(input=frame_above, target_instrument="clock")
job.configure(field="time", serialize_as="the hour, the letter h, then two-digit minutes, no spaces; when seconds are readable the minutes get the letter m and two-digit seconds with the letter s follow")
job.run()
8h24
